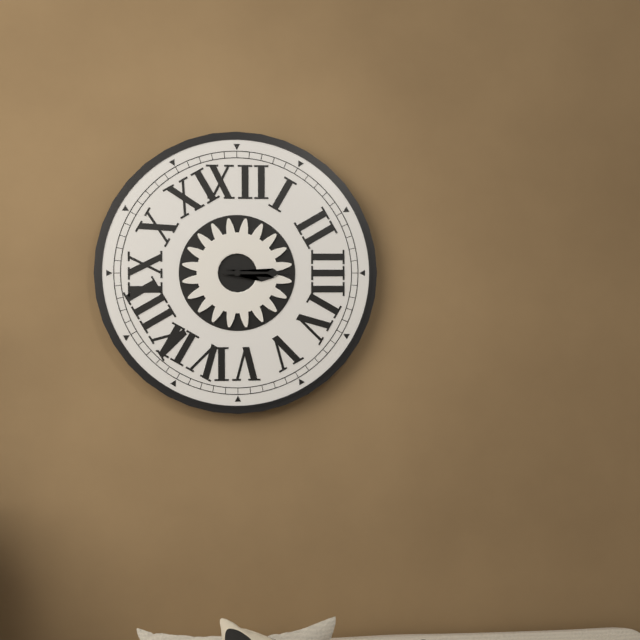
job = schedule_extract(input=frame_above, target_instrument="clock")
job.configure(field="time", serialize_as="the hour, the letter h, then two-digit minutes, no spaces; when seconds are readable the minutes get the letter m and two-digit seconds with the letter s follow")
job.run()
3h15
